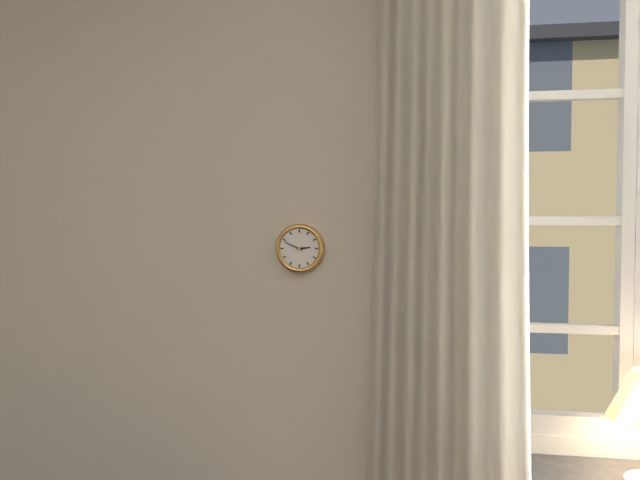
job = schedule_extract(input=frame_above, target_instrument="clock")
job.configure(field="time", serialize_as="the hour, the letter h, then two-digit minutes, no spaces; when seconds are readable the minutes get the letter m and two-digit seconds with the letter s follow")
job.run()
2h49
